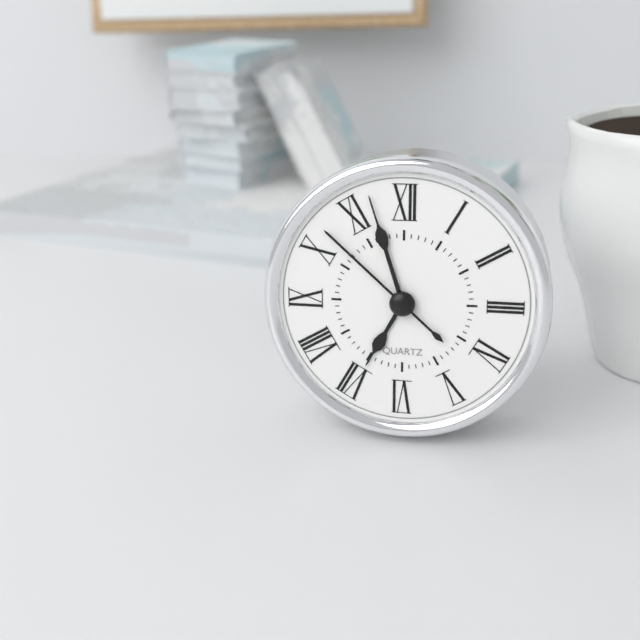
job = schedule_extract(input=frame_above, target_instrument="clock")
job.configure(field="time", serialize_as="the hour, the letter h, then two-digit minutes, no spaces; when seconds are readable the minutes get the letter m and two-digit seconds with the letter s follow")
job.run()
6h57m52s
